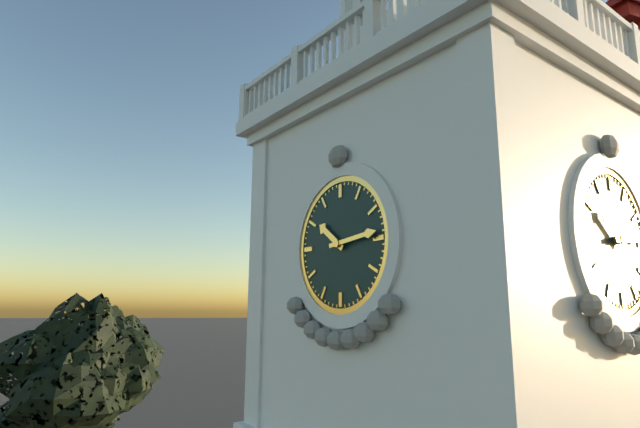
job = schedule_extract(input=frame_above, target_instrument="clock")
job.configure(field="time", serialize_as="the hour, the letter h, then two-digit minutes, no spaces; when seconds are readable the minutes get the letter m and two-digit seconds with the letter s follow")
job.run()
10h14
